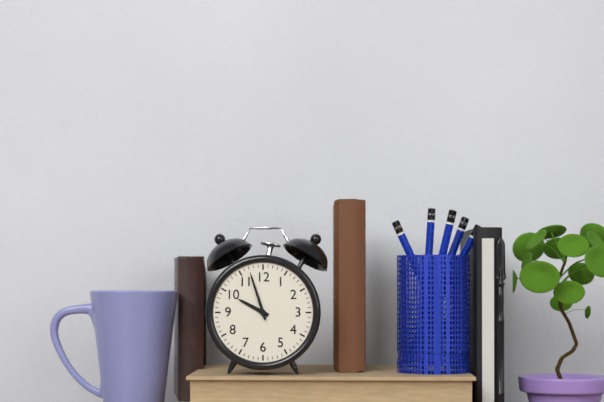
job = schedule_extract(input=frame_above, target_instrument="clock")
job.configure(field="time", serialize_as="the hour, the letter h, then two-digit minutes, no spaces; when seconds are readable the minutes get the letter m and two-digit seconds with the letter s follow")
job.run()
9h57
